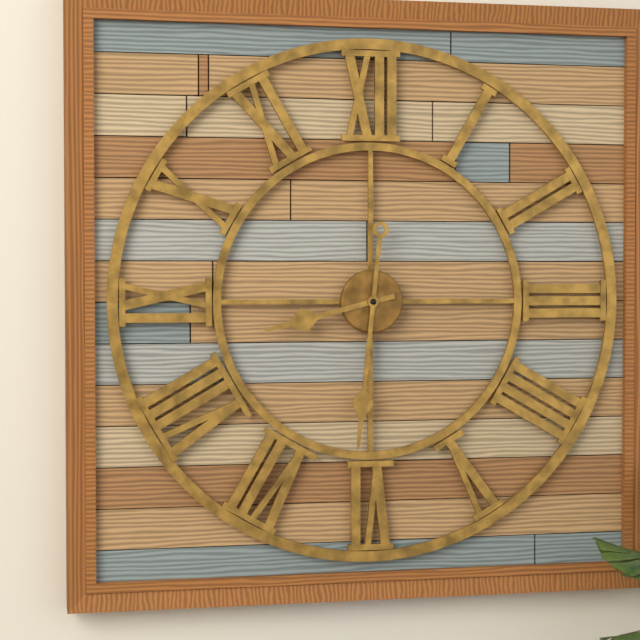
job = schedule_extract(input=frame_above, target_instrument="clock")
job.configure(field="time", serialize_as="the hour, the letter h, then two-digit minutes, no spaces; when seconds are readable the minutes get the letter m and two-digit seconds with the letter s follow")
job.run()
8h31
